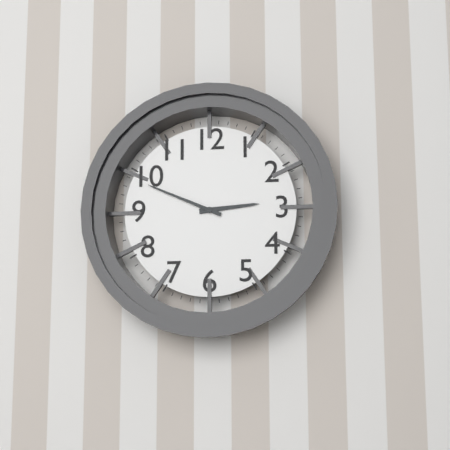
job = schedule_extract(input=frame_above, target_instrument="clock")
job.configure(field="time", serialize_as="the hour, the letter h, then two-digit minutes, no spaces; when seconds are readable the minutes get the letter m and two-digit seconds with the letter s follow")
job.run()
2h49
